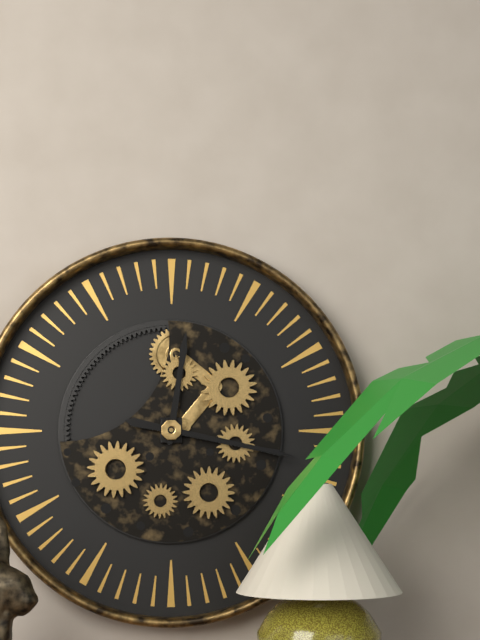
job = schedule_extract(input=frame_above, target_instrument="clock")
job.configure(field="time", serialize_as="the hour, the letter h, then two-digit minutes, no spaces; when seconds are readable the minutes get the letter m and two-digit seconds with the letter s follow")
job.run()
12h17
